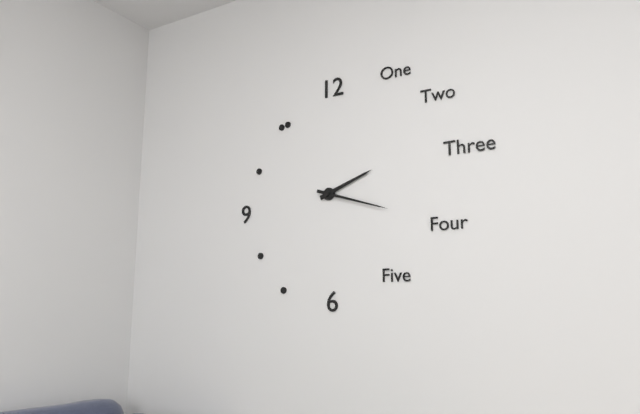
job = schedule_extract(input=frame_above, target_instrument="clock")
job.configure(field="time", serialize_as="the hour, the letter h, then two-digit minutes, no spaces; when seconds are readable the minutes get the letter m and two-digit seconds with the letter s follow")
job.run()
2h18
